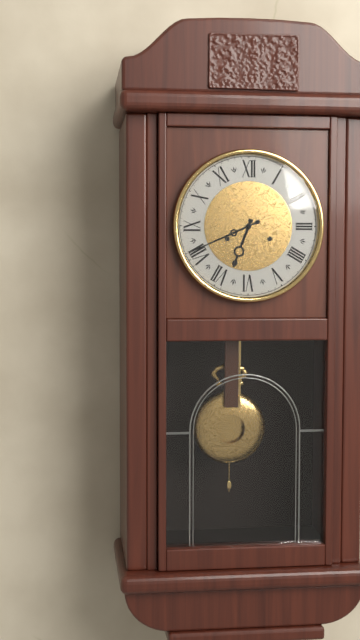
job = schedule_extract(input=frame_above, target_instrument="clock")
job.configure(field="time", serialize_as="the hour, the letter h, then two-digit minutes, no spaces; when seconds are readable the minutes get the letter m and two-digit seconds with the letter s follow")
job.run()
6h41
